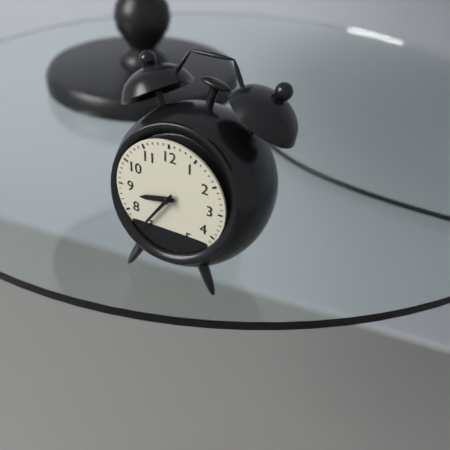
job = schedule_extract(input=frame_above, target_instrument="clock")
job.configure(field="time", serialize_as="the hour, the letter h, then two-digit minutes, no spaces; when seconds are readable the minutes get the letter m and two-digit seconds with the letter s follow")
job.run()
8h36
